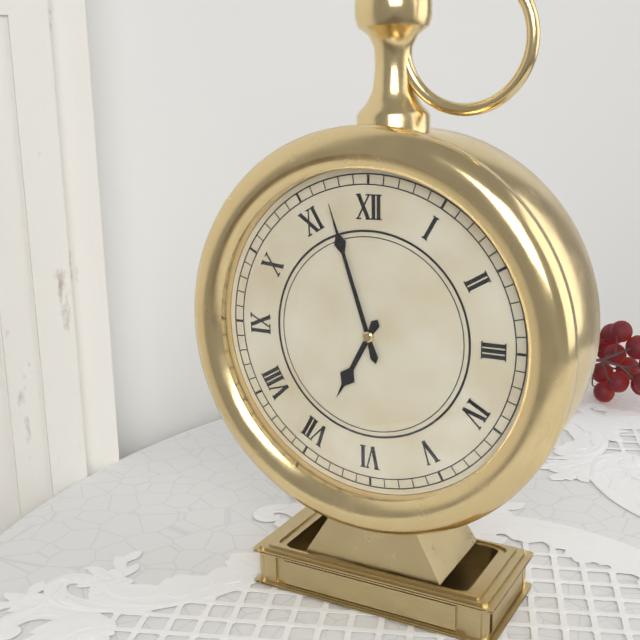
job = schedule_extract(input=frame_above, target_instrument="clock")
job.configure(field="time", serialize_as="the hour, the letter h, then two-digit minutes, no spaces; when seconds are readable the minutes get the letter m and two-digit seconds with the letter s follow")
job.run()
6h57
